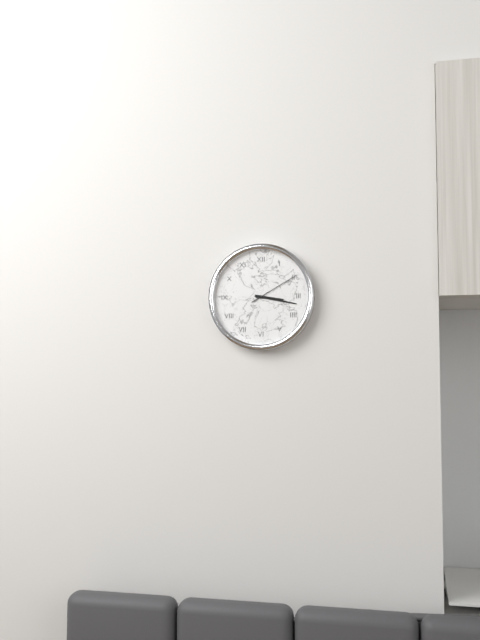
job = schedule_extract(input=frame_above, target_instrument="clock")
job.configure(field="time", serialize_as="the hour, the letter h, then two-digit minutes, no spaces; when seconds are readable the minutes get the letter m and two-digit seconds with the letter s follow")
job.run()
3h17m10s
